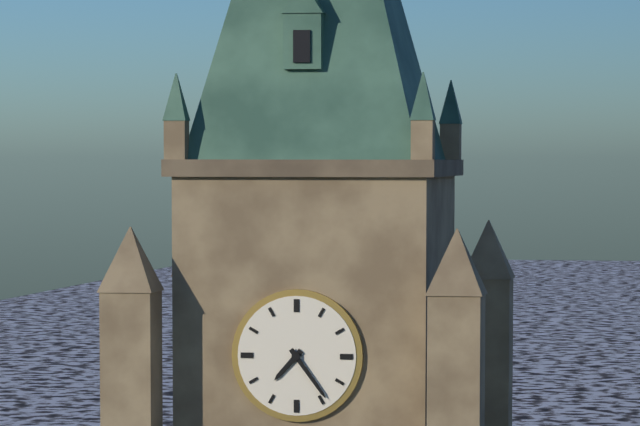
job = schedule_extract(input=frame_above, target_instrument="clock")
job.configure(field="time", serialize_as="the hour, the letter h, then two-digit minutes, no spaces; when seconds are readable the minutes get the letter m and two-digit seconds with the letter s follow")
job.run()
7h24
